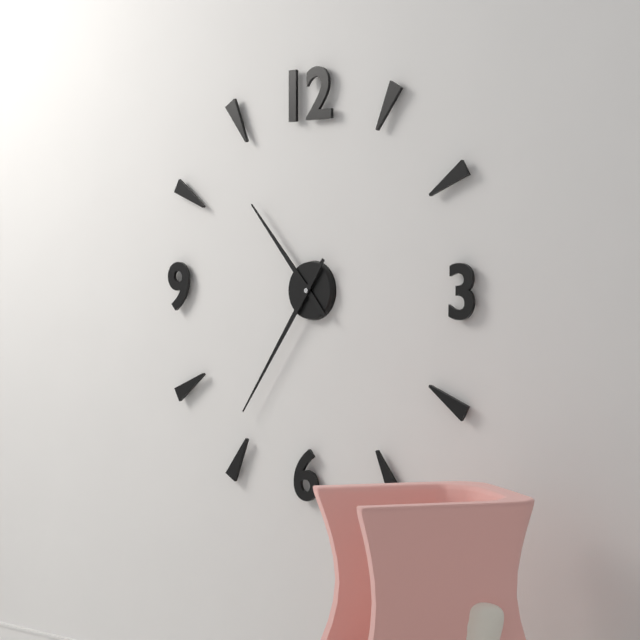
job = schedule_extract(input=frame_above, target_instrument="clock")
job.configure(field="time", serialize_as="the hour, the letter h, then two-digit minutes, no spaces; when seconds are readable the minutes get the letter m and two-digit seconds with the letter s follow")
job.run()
10h36
